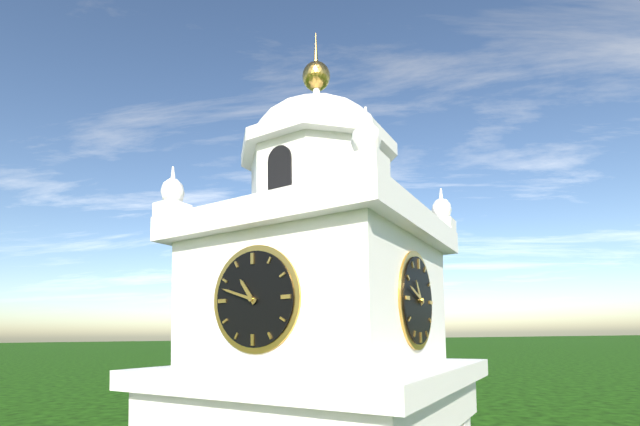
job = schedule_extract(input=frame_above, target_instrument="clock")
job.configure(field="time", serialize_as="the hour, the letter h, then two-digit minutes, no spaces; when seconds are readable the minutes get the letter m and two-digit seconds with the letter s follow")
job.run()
10h48
